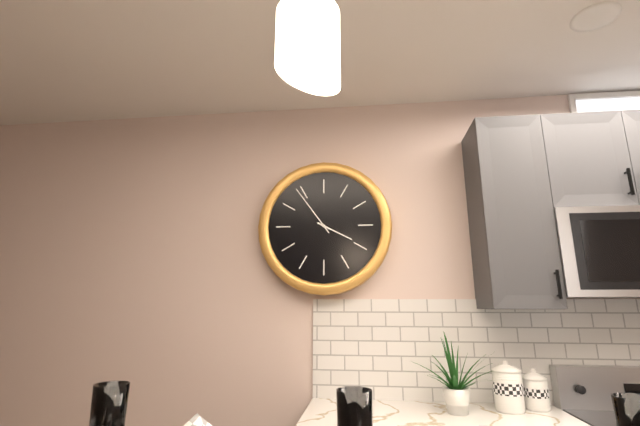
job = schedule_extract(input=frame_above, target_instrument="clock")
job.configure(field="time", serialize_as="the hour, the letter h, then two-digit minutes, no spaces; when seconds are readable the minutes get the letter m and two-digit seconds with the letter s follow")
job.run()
3h54
